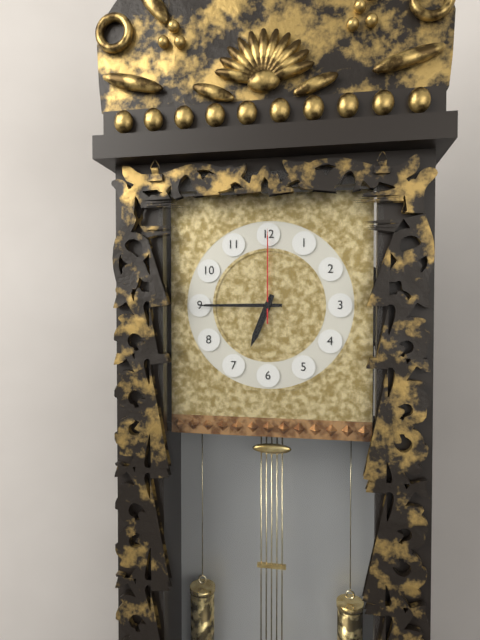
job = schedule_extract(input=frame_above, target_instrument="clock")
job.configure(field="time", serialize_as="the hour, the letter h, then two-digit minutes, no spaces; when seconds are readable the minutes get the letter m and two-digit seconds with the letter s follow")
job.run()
6h45m00s
